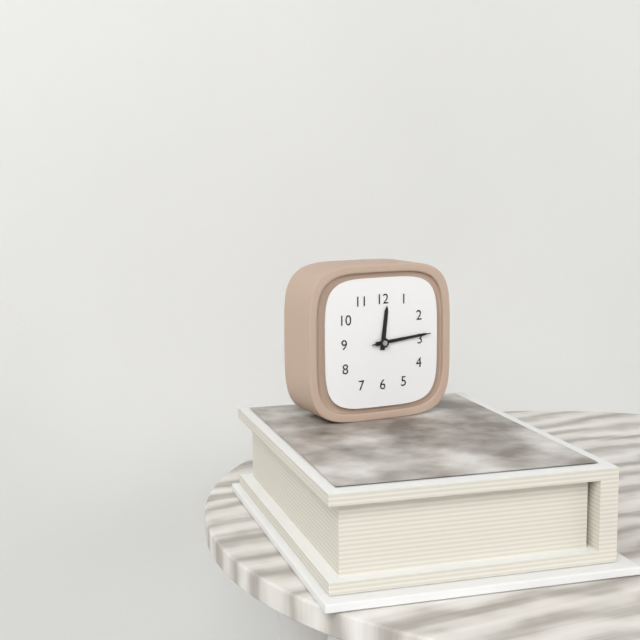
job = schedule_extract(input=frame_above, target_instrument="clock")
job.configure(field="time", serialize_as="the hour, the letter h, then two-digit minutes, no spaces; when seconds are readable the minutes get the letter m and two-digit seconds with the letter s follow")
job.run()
12h14m14s
